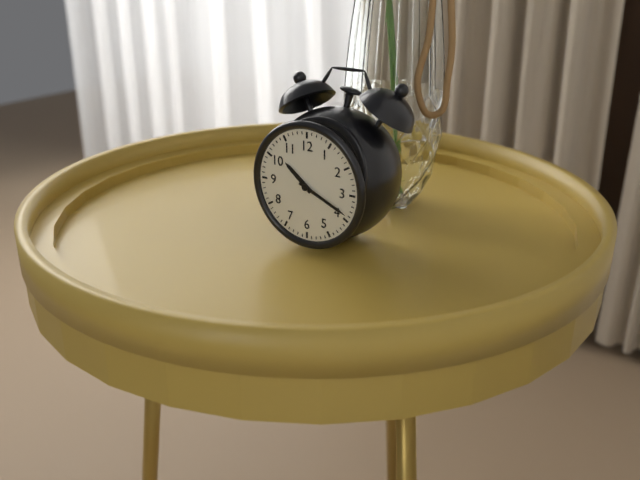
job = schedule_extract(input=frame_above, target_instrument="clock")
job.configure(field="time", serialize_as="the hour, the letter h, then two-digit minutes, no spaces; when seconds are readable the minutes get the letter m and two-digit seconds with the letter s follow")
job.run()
10h19
